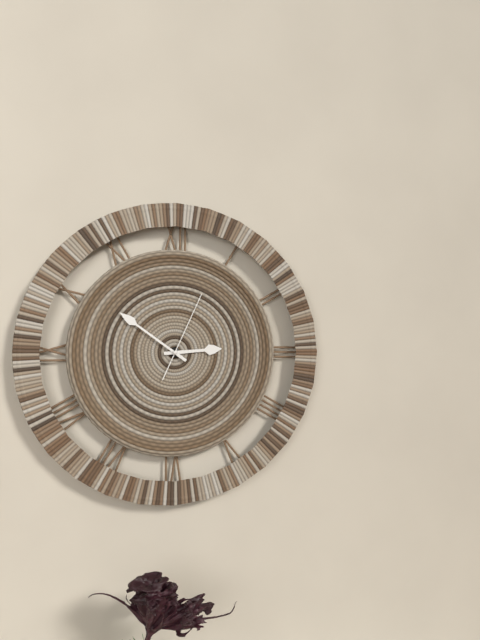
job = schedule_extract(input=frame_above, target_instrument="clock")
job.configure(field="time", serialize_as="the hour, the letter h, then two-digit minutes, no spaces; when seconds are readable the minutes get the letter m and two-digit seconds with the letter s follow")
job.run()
2h51m04s
